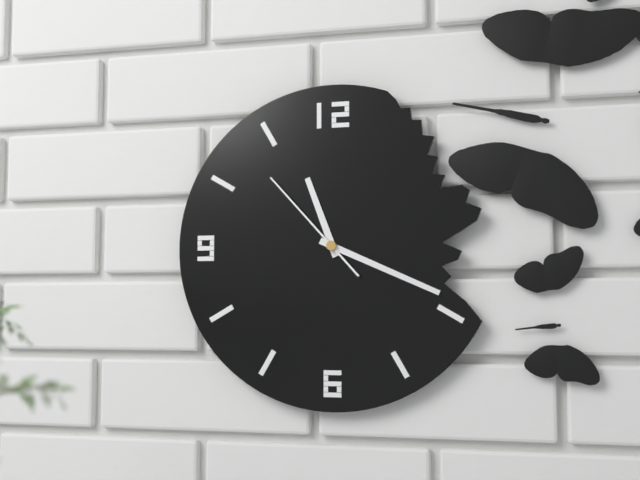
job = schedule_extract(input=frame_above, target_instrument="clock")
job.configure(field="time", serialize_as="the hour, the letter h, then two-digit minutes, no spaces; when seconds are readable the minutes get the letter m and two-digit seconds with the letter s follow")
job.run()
11h19m53s
